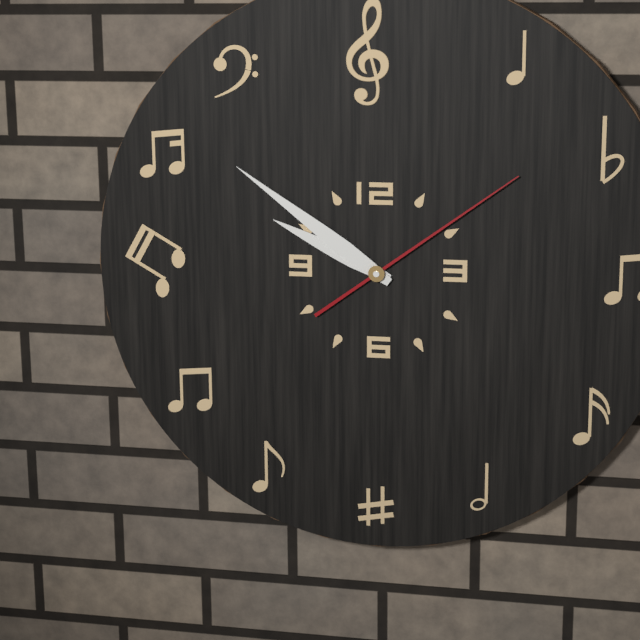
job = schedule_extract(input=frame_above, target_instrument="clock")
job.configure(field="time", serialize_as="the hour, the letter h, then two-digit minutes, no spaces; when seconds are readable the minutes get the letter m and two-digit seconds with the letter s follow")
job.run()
9h51m09s
